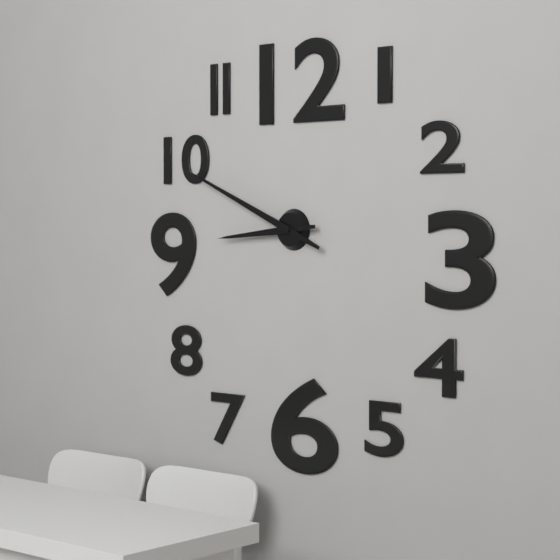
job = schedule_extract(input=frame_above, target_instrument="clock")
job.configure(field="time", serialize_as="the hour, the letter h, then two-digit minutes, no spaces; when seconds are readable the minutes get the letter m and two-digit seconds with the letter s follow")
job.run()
8h49
